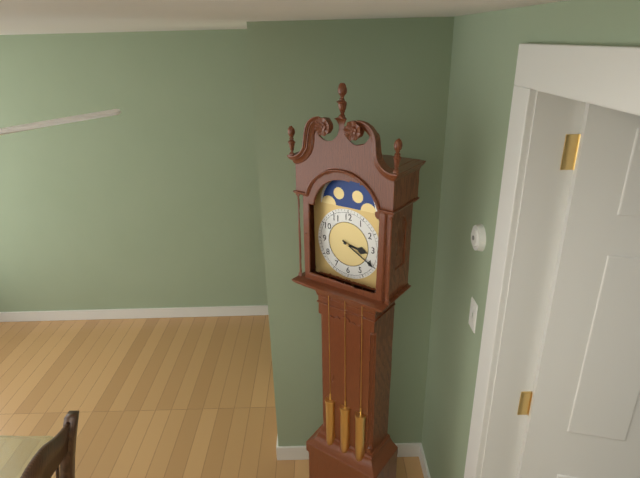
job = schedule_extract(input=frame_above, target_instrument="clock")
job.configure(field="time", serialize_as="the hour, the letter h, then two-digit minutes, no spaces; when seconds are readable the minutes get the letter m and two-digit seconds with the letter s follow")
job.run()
3h20
